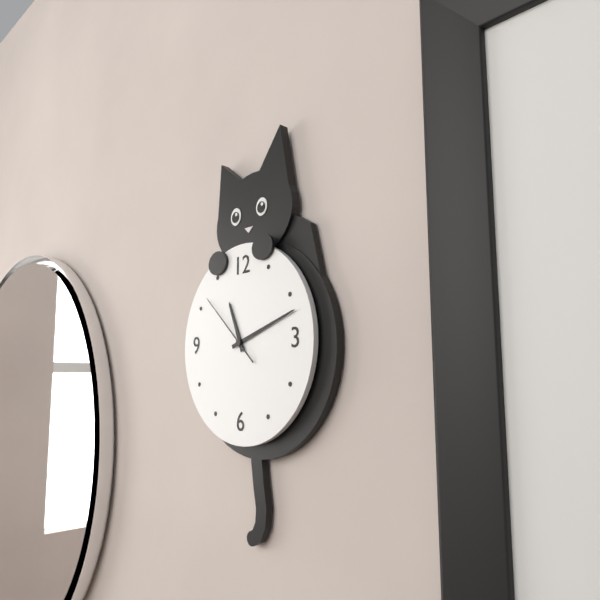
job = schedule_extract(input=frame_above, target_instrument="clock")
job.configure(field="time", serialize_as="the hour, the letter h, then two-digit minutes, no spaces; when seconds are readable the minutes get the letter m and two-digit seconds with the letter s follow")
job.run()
11h12m52s
